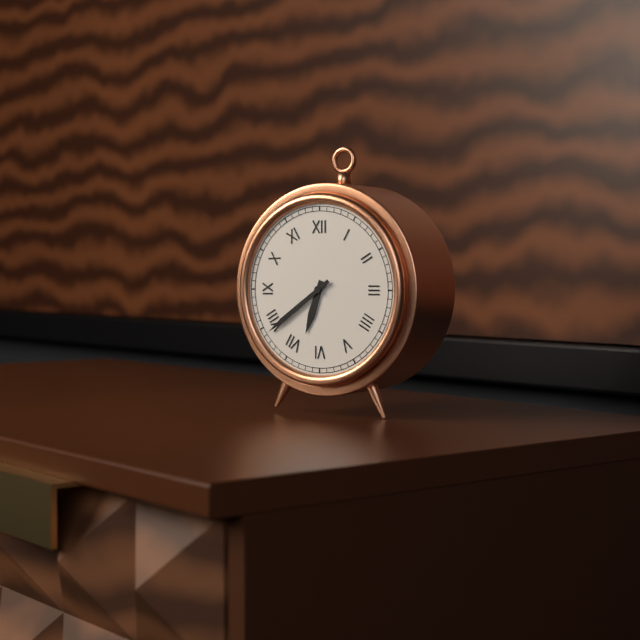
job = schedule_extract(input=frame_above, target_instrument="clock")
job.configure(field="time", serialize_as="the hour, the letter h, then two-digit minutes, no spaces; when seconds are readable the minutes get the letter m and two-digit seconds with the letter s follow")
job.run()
6h39
